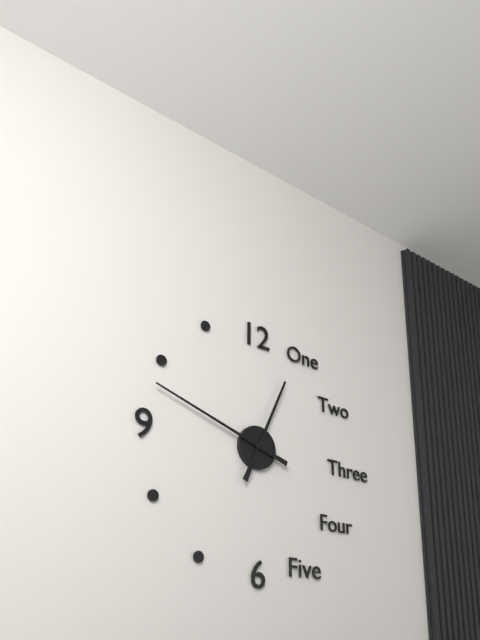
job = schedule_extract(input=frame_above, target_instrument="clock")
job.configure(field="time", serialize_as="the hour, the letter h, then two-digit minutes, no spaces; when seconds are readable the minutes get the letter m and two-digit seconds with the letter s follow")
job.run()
12h48
